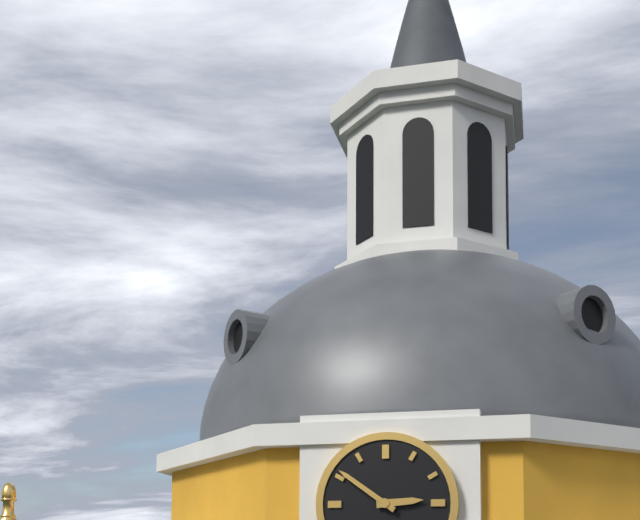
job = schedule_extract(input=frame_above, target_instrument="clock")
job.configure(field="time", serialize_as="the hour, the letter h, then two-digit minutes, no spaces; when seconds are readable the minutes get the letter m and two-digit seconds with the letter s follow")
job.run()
2h51
